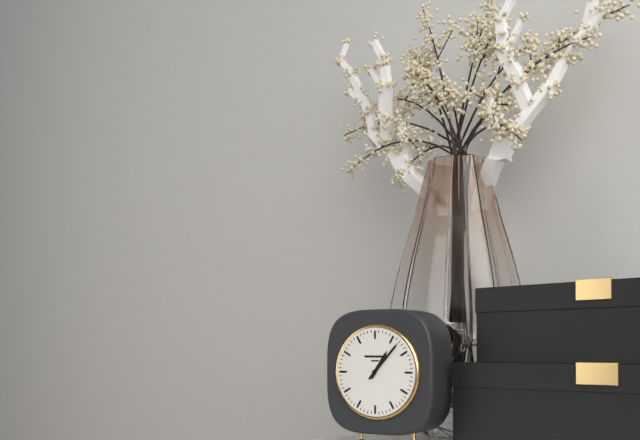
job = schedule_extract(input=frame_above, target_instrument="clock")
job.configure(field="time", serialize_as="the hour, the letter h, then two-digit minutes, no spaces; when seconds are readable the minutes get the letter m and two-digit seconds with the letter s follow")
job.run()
1h07
